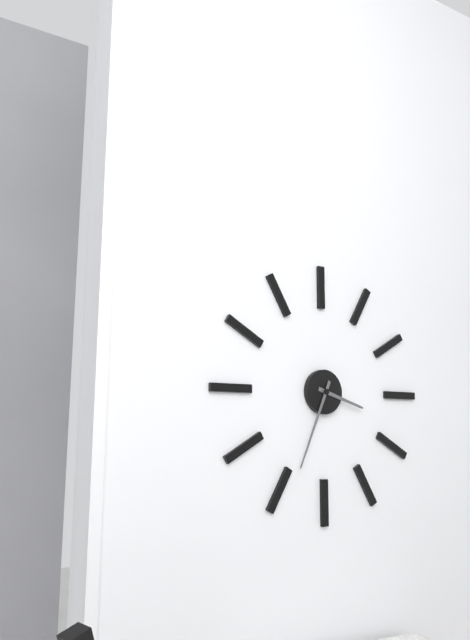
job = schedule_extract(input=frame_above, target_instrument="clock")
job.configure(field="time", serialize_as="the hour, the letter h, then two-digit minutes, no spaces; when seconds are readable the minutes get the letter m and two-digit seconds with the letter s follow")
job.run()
3h34
